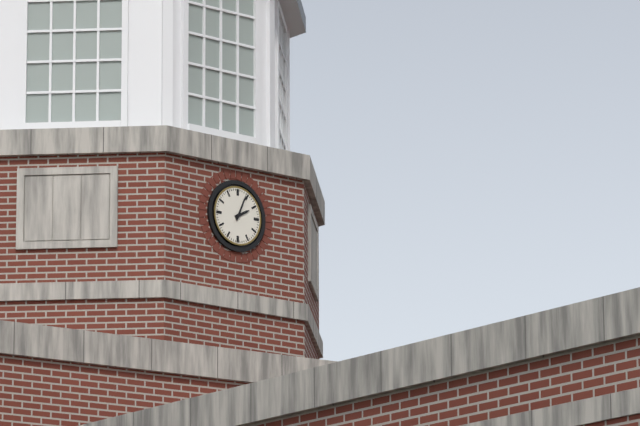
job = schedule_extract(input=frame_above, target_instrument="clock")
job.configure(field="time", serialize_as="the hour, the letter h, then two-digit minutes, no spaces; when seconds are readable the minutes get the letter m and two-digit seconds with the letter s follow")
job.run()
2h04
